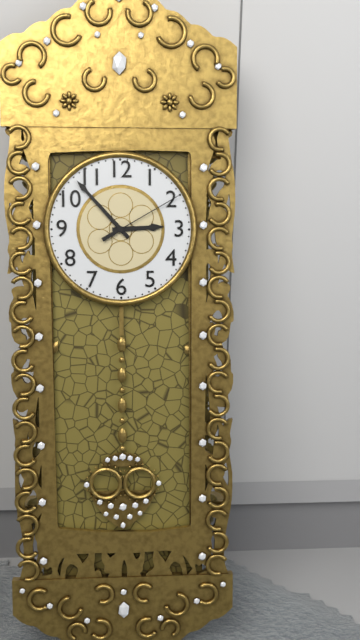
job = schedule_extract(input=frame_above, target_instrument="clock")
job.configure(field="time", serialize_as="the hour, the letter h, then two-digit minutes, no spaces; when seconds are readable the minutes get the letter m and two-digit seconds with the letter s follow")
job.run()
2h53m10s
